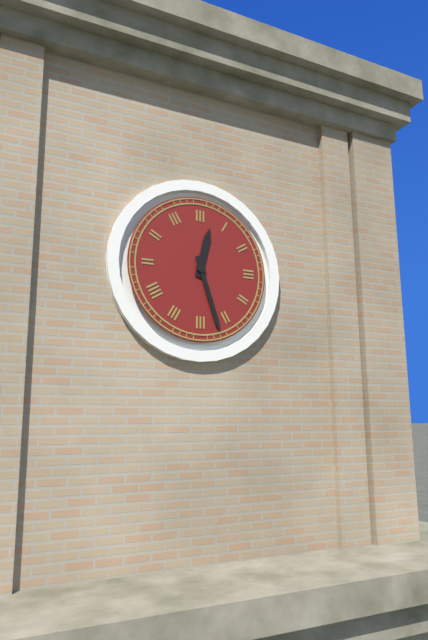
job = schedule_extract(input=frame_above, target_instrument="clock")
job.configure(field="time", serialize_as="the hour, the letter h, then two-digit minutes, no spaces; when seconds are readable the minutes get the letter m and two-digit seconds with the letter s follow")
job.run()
12h27
